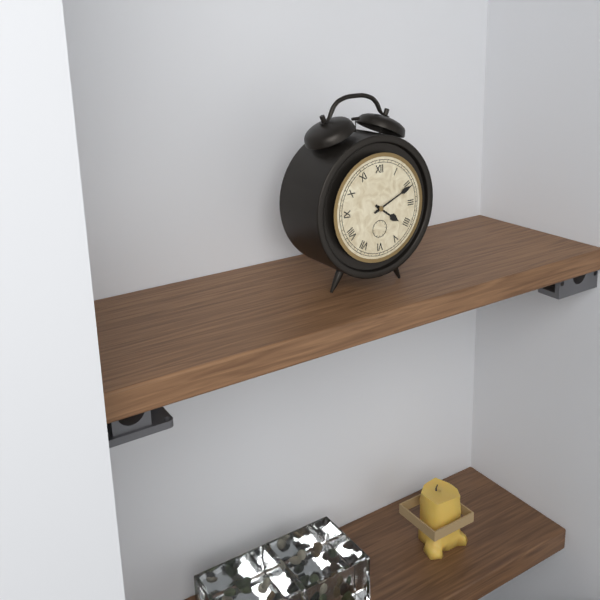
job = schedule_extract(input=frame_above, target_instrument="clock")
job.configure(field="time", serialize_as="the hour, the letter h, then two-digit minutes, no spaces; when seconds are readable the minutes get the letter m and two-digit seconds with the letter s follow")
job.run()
4h11
